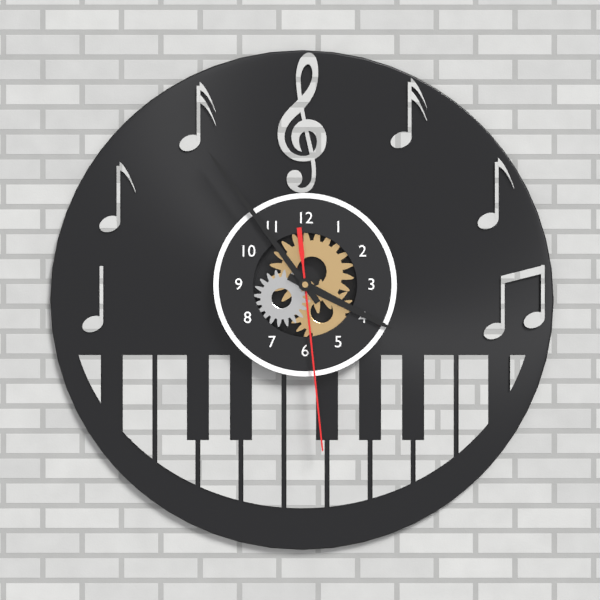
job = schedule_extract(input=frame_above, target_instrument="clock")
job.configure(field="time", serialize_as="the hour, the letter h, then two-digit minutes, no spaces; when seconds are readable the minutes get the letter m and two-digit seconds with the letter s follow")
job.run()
3h54m29s
